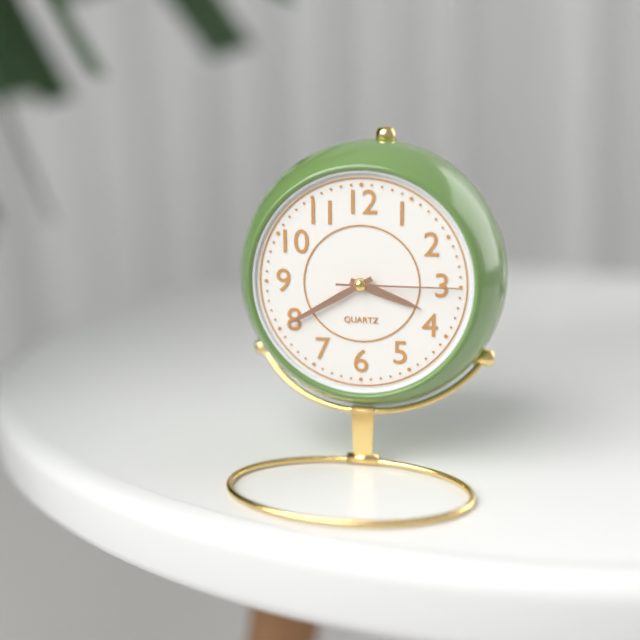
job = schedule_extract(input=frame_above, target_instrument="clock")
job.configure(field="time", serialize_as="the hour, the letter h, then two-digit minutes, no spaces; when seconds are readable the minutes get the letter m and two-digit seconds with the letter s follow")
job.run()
3h40m15s
